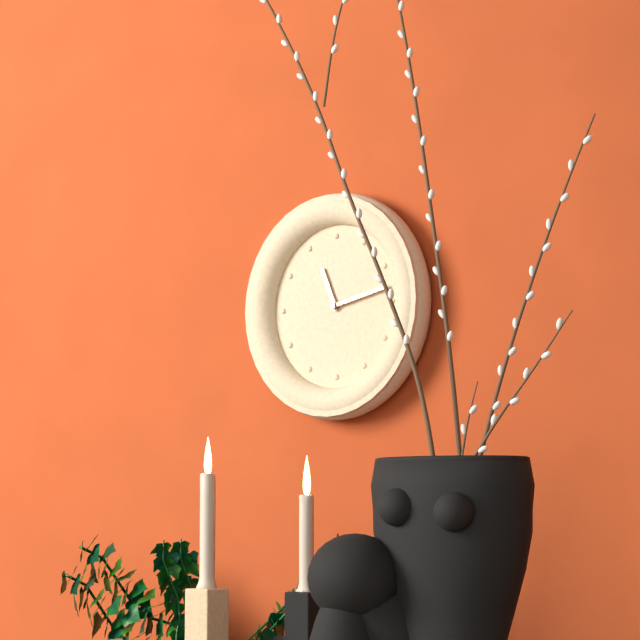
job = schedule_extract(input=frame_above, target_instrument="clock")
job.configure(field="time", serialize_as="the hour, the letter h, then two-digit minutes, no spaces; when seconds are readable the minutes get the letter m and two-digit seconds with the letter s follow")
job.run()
11h13
